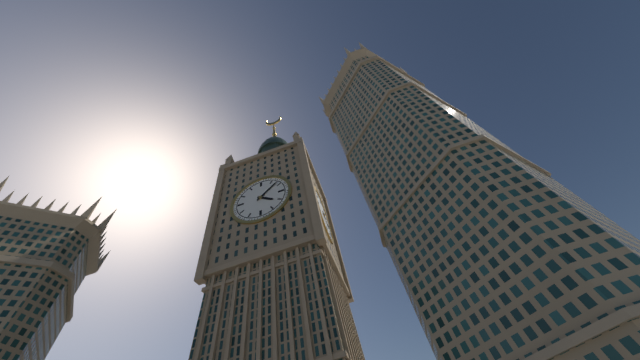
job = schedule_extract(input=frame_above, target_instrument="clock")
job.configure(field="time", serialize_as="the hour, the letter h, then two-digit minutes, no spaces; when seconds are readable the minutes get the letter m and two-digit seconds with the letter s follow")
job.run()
4h08
